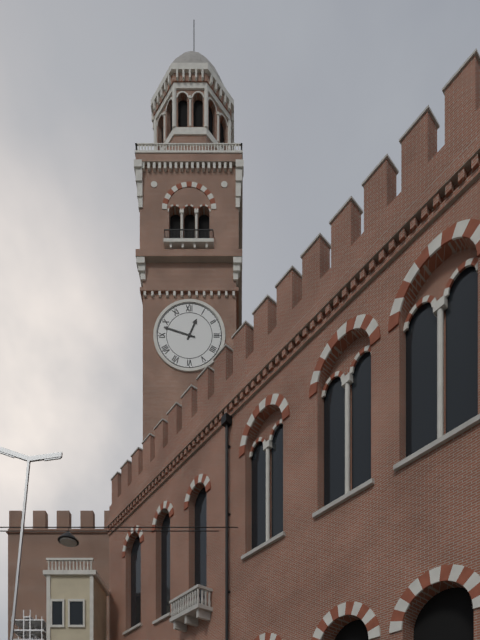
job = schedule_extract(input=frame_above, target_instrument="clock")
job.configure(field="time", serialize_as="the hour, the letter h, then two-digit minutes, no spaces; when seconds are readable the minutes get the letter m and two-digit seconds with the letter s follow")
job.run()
12h48
